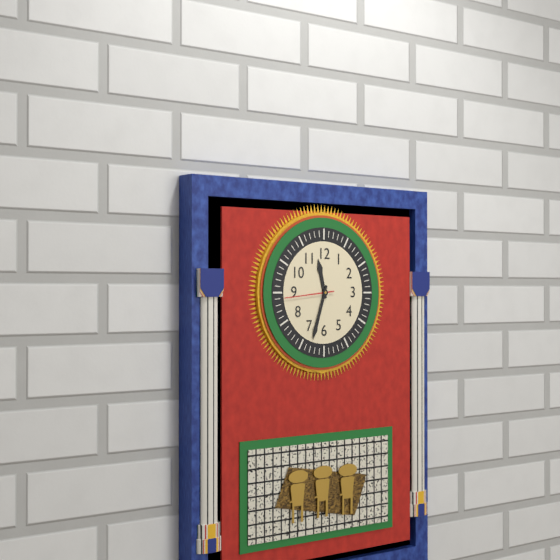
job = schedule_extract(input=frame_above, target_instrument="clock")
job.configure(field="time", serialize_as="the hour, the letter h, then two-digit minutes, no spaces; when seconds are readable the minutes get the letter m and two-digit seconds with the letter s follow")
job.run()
11h33m44s
